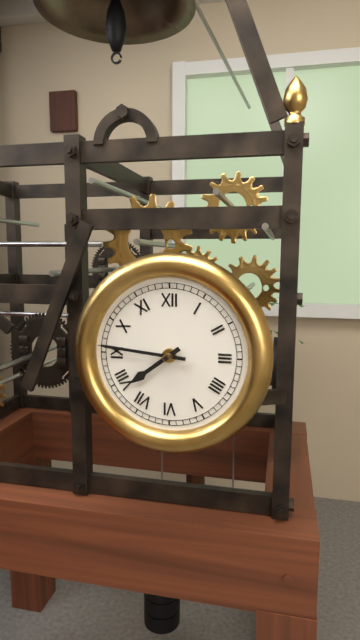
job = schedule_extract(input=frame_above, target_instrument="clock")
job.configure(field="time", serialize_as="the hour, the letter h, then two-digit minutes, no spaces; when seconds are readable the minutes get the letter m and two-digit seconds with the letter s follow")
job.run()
7h46
